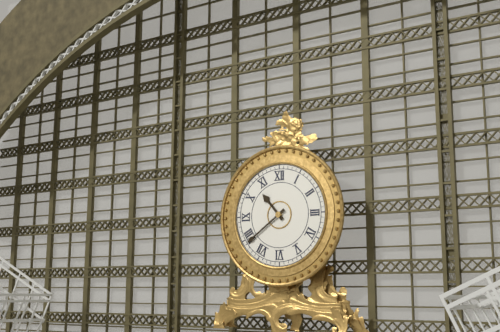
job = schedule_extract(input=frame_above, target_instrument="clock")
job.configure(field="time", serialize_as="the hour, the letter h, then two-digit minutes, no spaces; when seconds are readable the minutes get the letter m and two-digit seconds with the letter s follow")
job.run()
10h39
